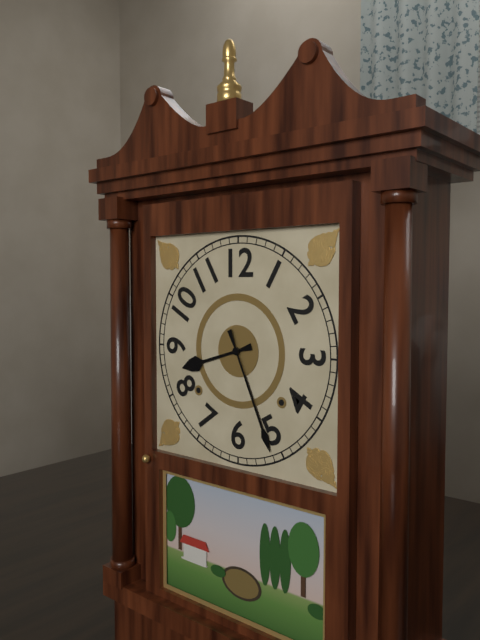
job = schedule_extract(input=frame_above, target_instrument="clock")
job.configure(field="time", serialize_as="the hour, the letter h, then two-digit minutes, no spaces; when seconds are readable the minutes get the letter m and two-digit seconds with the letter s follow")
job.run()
8h26
